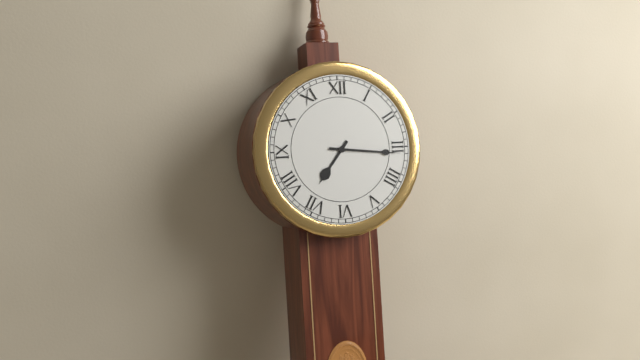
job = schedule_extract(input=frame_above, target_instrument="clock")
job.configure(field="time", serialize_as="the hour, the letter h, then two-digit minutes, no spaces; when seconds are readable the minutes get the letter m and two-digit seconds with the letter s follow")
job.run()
7h16
